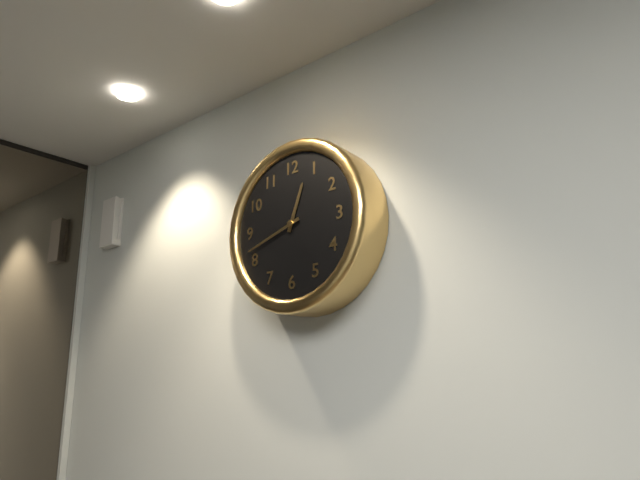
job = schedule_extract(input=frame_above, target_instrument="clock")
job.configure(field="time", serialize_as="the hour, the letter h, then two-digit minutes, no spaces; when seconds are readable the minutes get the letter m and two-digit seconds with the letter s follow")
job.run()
12h42
